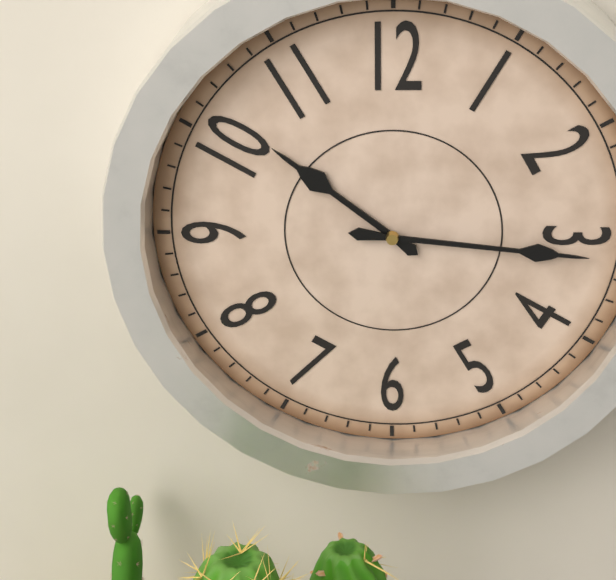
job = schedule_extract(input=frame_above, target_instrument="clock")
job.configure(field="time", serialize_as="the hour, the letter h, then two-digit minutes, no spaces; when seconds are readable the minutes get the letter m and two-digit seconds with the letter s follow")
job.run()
10h16
